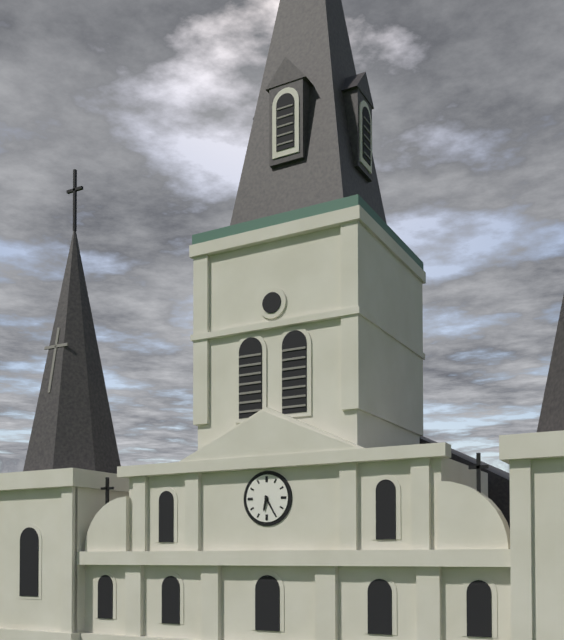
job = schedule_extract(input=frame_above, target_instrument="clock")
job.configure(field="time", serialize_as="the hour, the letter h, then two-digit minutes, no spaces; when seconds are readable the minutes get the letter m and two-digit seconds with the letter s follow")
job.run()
6h25
